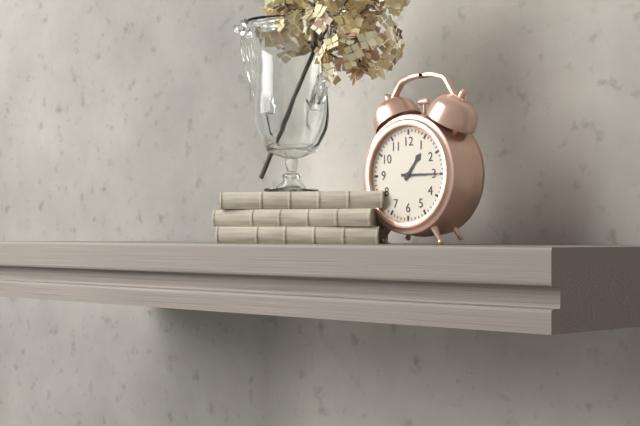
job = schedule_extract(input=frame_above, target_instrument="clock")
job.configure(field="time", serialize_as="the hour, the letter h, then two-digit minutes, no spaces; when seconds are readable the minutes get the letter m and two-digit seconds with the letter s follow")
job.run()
1h15
